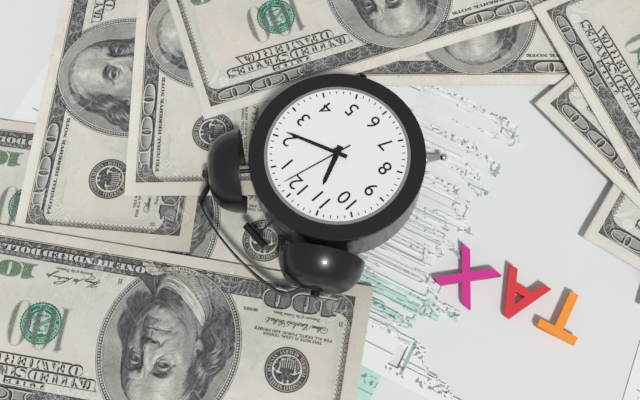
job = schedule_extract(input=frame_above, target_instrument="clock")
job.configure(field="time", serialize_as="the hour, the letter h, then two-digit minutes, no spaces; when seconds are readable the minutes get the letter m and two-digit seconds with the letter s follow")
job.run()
11h11m02s
